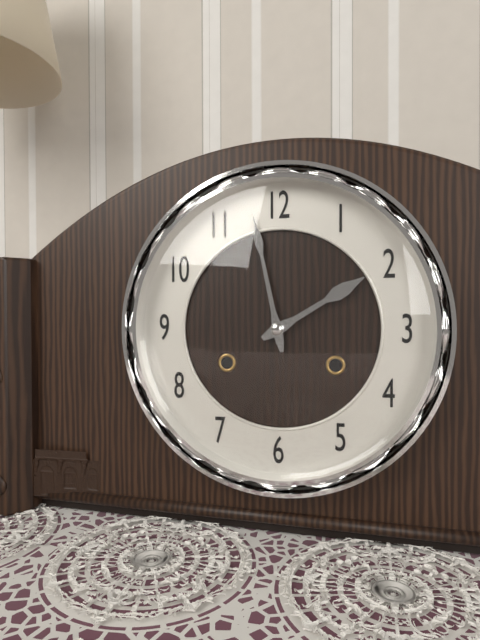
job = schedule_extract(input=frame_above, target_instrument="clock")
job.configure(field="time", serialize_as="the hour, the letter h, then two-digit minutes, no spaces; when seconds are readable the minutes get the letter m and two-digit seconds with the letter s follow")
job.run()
1h58
